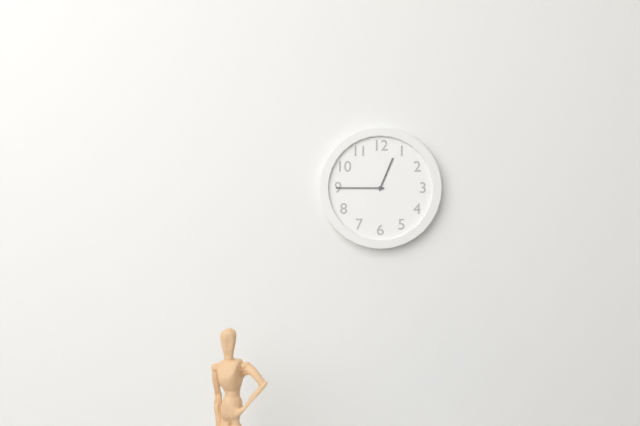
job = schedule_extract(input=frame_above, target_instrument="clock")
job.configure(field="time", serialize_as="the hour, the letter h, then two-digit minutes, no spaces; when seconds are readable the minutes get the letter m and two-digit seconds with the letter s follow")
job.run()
12h45
